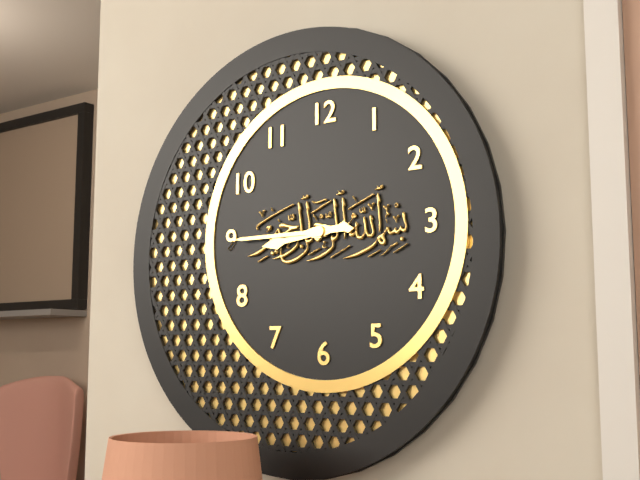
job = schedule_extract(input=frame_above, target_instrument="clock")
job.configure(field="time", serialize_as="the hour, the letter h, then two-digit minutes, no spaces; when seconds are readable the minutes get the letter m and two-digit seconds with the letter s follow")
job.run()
8h45
